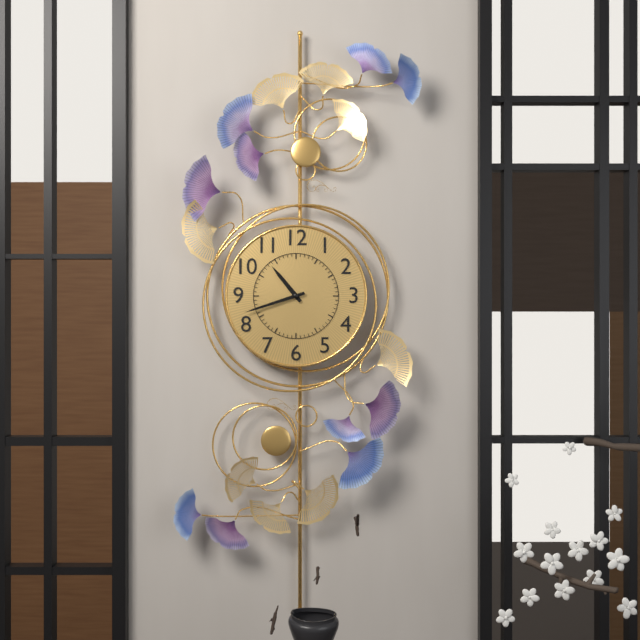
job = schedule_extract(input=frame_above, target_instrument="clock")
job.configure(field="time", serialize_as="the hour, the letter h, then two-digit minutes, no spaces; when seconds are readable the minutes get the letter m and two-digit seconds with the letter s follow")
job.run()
10h42
